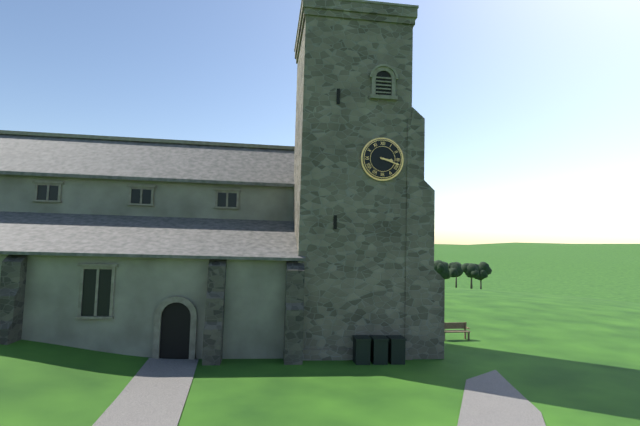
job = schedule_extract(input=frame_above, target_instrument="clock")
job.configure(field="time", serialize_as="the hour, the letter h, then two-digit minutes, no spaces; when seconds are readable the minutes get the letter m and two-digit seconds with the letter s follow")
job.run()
3h18
